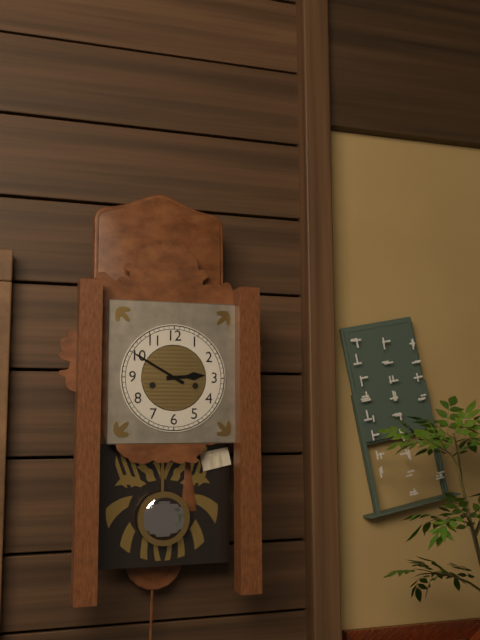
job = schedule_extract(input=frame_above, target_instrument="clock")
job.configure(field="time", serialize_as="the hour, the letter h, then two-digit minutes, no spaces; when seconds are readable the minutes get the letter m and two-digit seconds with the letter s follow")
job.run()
2h50
